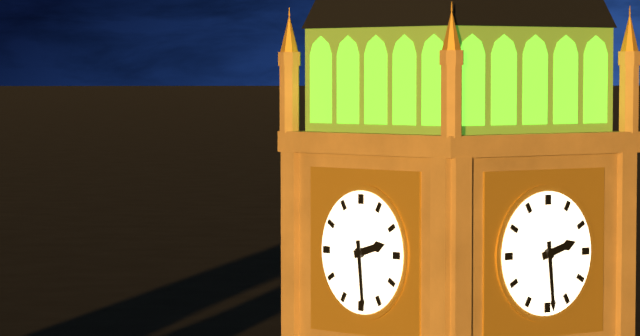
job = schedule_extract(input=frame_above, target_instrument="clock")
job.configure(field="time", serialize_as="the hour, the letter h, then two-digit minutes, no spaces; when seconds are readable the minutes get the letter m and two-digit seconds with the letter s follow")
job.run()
2h29
